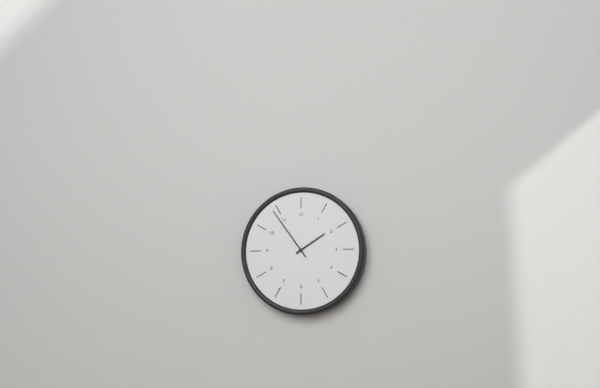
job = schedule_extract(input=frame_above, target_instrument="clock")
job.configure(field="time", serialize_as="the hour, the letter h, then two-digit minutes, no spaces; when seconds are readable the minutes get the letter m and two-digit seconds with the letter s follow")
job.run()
1h54
